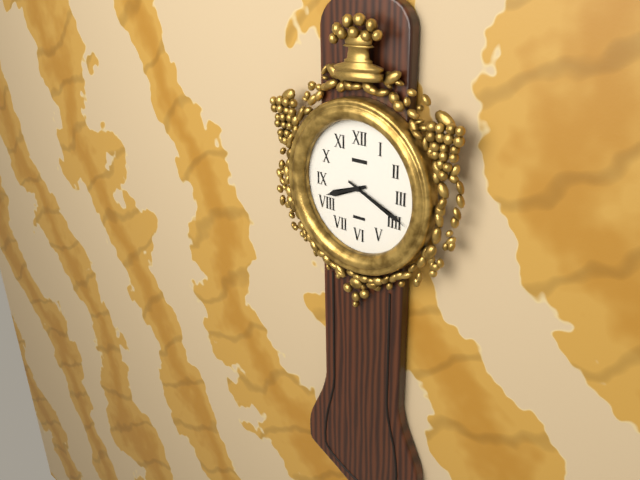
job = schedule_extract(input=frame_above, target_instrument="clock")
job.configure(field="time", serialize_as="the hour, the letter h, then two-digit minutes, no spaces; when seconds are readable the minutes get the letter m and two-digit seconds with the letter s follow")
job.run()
8h19
